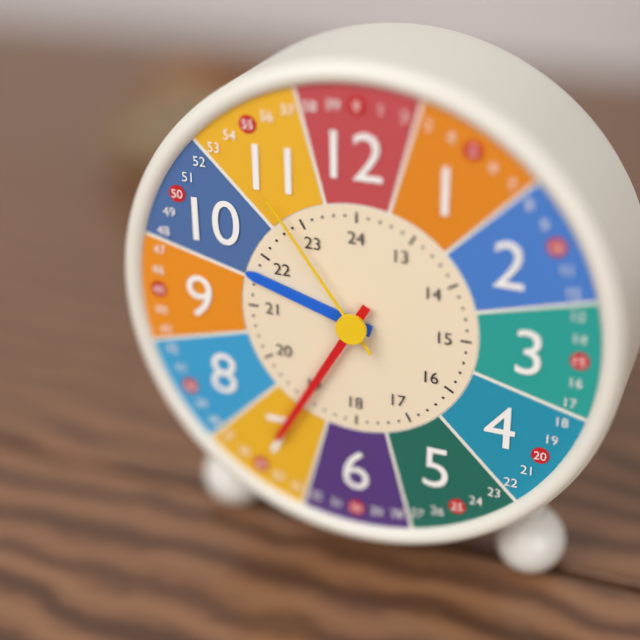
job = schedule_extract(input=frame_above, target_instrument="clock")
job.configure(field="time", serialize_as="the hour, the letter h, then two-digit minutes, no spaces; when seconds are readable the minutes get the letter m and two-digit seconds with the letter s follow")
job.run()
9h35m54s
